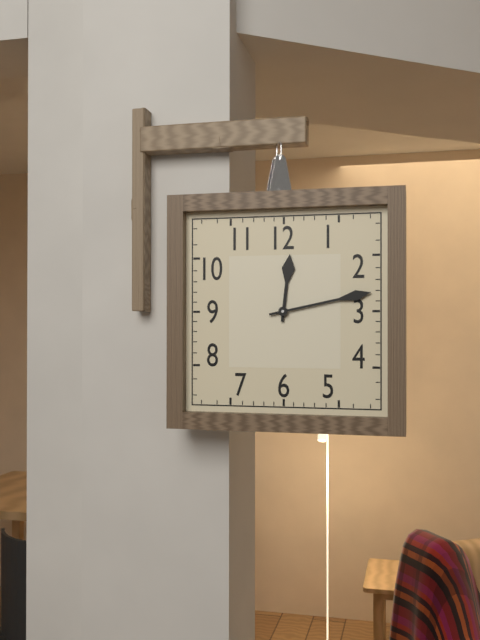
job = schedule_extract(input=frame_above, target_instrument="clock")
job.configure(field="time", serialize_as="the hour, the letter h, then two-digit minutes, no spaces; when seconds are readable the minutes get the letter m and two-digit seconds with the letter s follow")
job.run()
12h13
